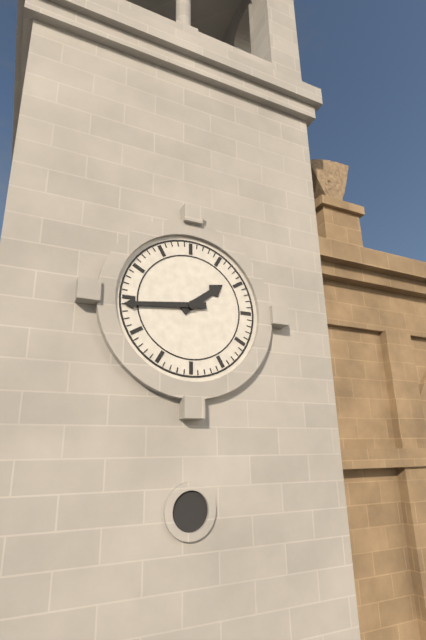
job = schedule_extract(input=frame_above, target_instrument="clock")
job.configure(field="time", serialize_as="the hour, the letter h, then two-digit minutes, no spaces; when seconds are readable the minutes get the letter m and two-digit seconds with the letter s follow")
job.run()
1h44
